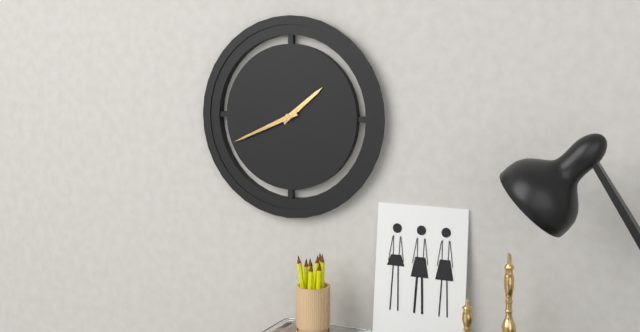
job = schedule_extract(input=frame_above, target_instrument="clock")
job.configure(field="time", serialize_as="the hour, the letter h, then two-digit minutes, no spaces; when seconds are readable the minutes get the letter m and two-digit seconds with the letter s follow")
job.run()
1h41
